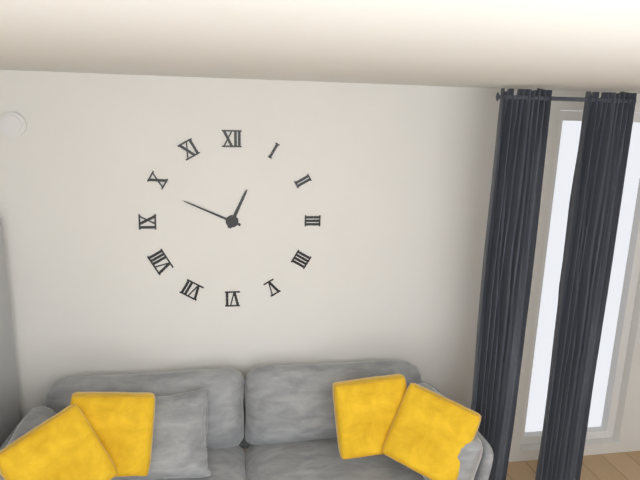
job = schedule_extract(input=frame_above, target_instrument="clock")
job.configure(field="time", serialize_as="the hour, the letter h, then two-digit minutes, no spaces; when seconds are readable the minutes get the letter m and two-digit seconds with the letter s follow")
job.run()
12h49
